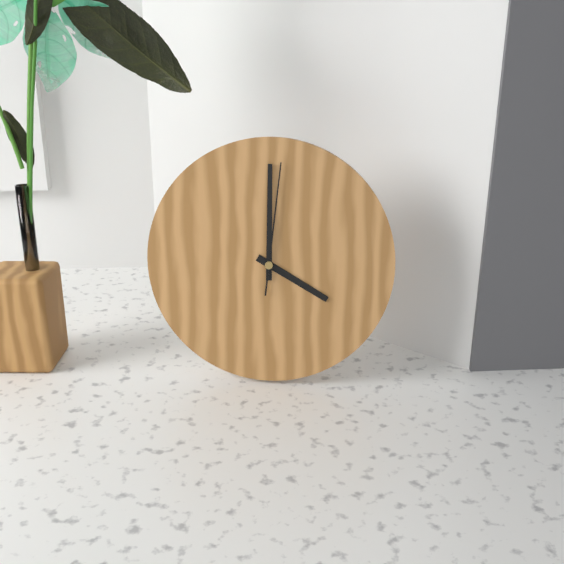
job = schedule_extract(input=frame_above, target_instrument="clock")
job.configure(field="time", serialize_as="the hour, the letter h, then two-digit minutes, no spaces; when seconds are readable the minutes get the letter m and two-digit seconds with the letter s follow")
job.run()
4h00m01s
